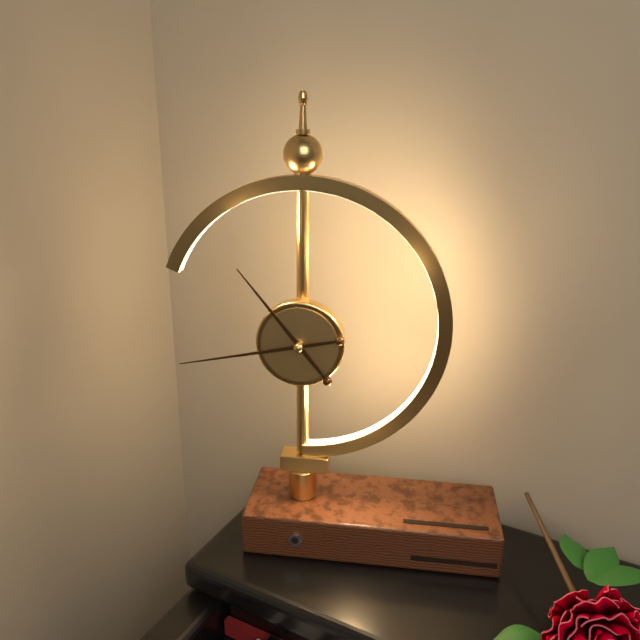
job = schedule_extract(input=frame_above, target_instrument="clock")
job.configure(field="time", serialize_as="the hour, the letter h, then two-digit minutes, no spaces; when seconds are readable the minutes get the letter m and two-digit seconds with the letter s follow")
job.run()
10h43
